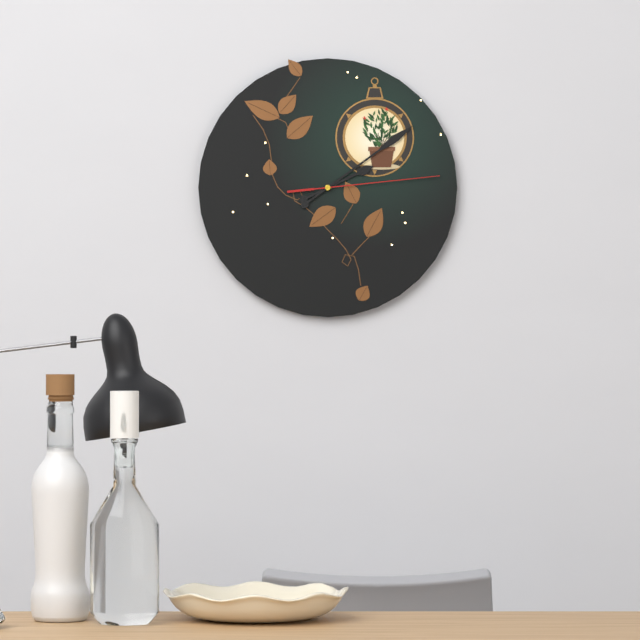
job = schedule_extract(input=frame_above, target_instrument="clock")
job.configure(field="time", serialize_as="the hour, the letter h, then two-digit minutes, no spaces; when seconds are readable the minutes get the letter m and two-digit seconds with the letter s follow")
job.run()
2h09m14s
